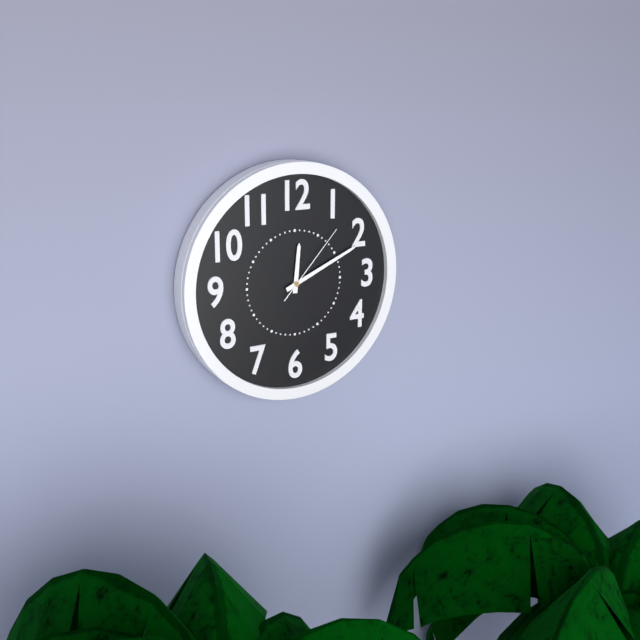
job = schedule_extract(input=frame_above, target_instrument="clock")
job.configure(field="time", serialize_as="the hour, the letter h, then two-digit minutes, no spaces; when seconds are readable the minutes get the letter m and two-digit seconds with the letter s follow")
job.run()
12h11m07s
